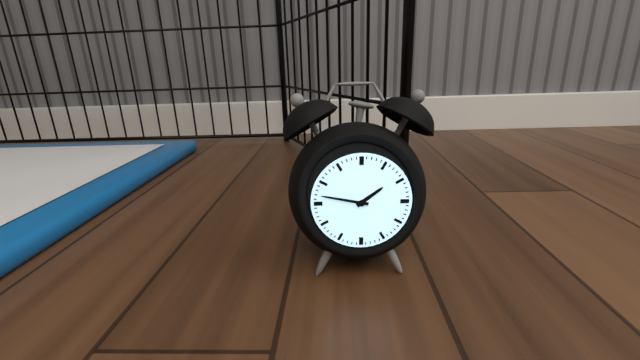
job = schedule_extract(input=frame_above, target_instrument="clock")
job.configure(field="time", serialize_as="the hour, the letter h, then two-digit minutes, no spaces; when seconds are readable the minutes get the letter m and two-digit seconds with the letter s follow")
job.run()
1h47
